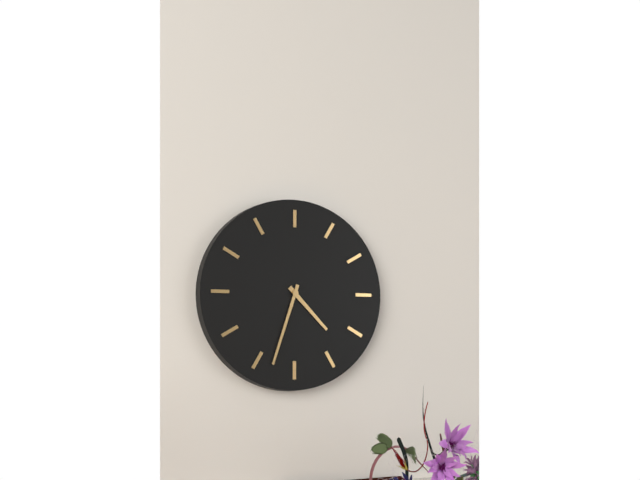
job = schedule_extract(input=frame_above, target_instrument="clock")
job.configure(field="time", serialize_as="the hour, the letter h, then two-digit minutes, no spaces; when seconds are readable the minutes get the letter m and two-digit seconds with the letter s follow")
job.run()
4h33
